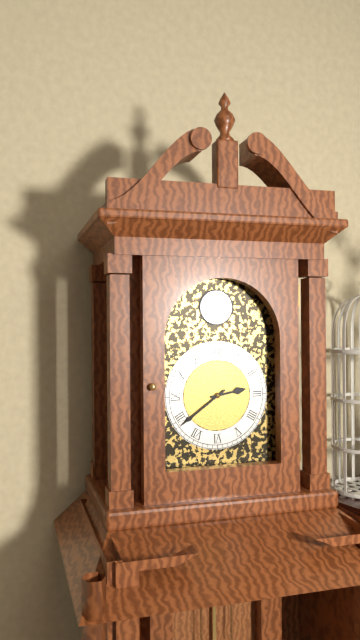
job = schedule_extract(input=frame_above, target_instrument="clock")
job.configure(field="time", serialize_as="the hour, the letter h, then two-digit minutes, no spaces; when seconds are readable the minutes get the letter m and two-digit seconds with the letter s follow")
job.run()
2h39
